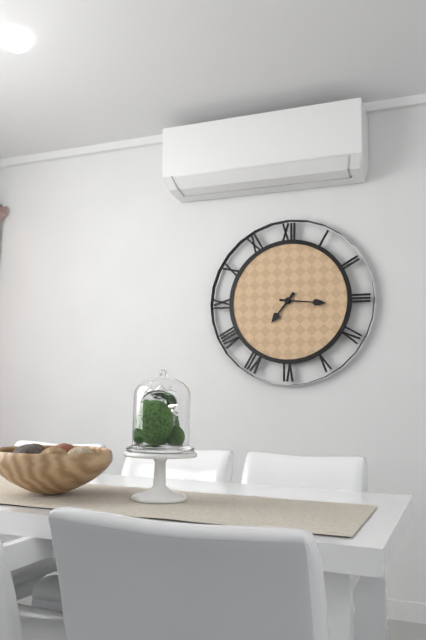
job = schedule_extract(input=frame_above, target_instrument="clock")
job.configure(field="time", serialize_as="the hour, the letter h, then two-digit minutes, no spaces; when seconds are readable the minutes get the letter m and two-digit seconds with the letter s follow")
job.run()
7h16
